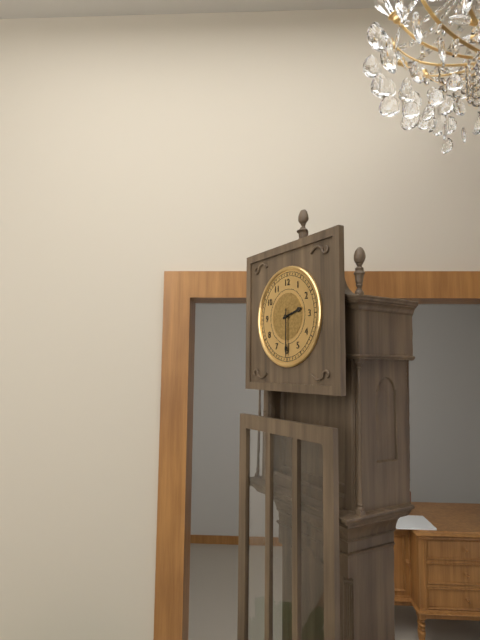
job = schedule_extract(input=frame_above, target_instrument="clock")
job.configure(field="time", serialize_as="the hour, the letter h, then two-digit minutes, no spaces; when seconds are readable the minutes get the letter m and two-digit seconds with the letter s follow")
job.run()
2h30
